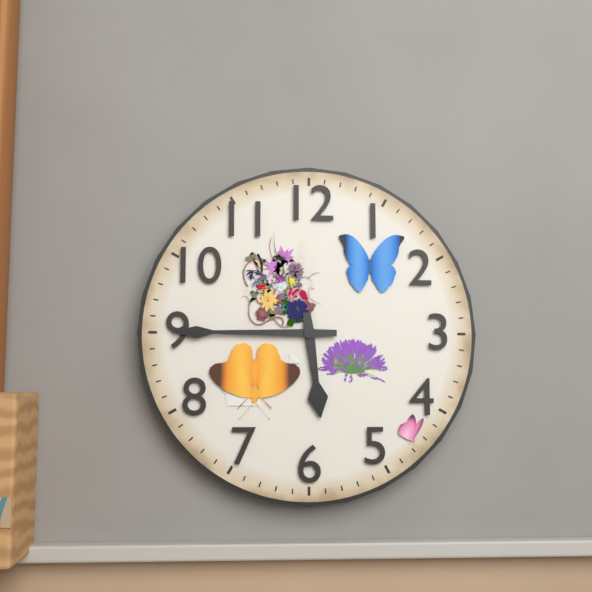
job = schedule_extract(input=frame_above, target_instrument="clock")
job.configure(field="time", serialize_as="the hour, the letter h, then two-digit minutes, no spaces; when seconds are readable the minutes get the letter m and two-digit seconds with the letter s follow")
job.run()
5h45
